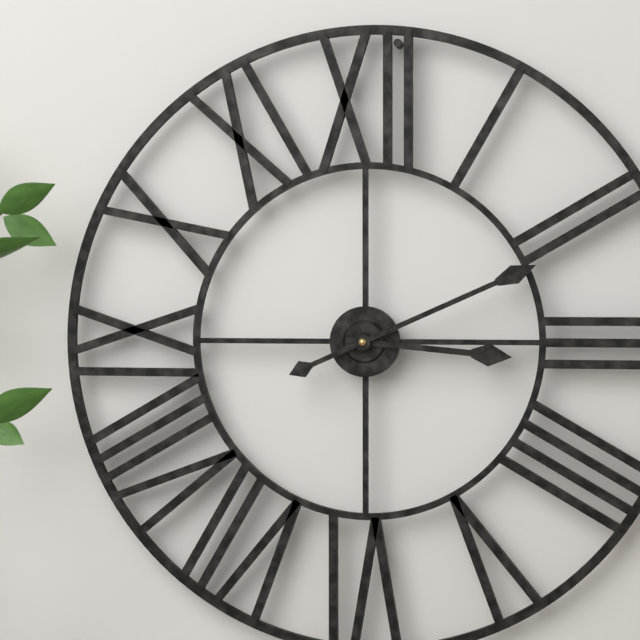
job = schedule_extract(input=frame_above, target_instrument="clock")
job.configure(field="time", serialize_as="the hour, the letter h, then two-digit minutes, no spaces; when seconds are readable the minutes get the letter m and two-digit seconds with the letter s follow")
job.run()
3h11
